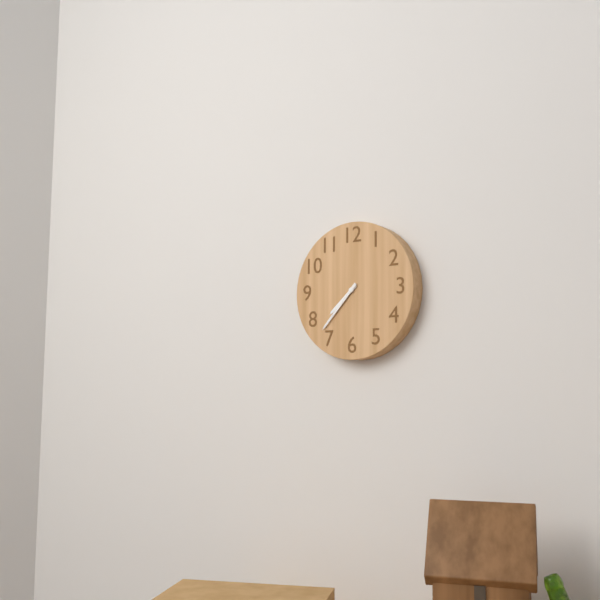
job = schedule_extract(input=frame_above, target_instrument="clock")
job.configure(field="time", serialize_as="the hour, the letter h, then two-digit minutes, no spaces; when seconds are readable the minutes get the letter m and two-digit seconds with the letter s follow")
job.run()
7h37
